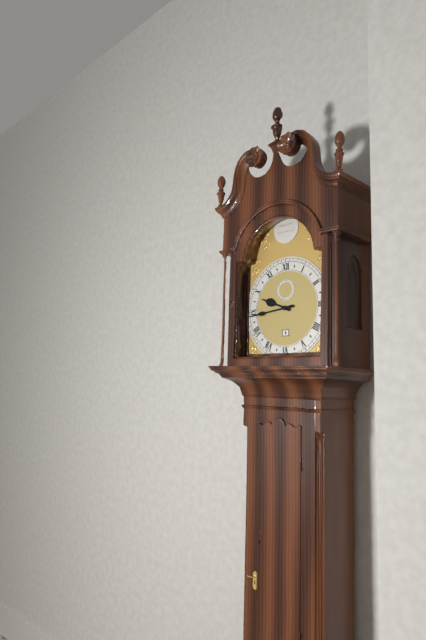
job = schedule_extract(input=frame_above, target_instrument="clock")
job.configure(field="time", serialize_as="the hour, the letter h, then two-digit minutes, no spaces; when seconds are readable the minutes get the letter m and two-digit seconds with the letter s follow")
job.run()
9h44
